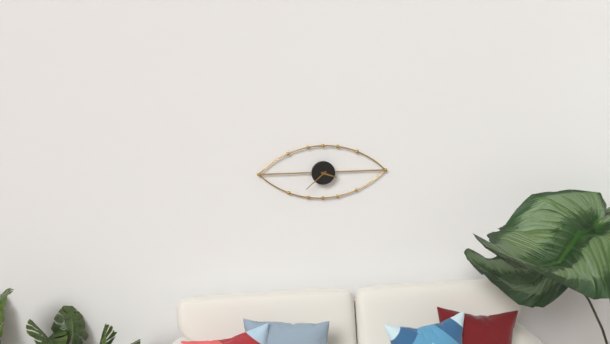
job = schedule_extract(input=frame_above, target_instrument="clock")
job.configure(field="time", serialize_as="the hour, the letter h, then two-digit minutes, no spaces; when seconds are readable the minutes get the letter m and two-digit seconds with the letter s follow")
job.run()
3h38
